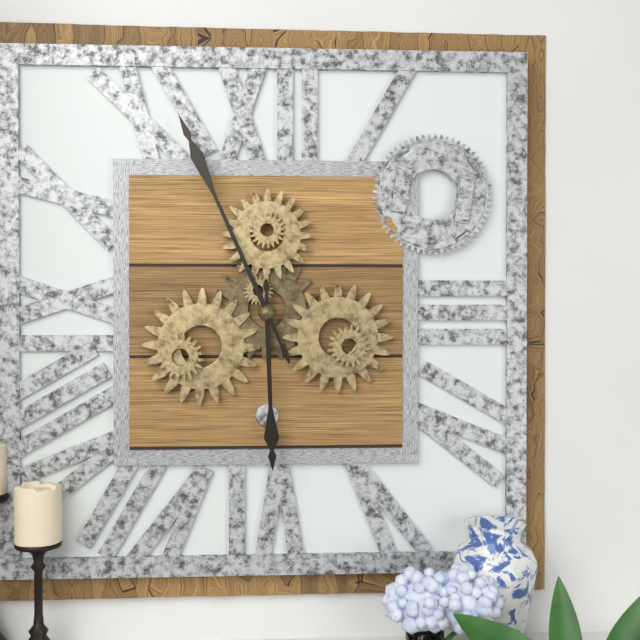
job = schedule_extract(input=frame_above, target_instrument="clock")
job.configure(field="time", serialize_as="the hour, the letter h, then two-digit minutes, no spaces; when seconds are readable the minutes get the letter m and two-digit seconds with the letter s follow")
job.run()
5h56
